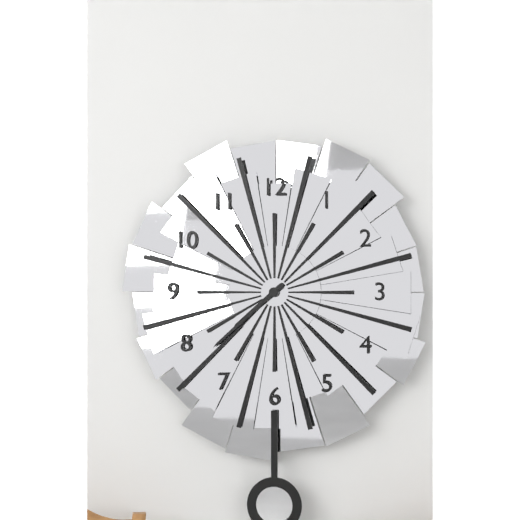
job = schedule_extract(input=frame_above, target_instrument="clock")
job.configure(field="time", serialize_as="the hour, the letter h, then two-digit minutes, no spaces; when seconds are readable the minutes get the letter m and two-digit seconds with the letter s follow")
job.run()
7h38
